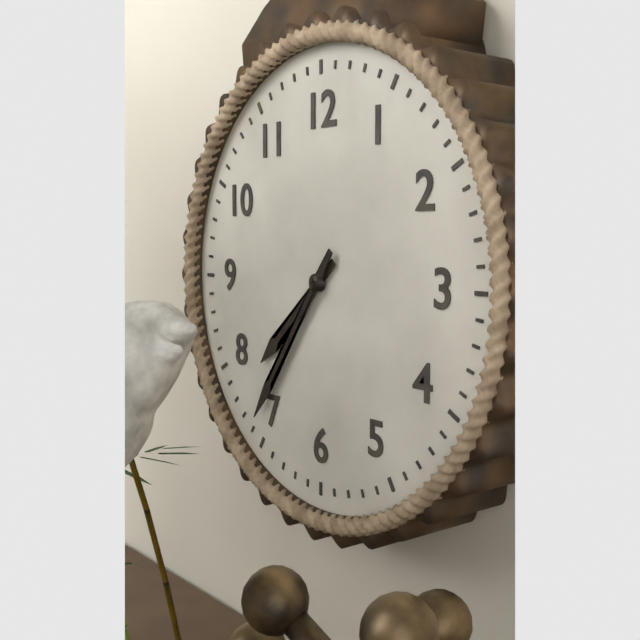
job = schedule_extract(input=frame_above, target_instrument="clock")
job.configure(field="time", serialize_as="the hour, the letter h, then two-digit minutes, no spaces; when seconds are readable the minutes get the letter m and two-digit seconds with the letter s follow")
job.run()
7h36
